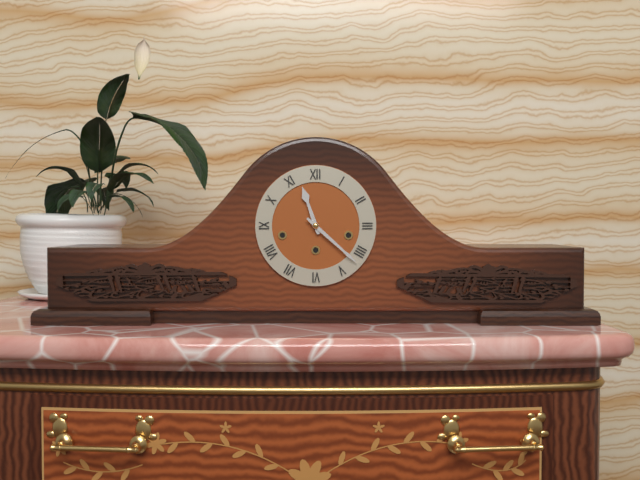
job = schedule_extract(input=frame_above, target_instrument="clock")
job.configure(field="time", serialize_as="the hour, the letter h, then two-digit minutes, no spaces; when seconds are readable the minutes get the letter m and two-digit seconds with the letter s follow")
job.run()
11h22
